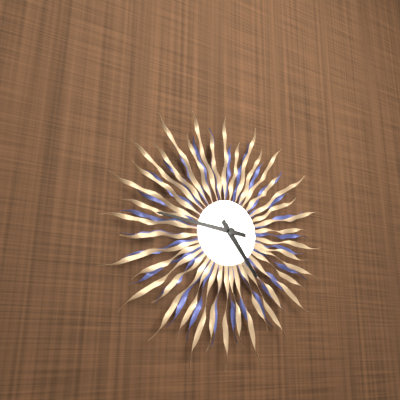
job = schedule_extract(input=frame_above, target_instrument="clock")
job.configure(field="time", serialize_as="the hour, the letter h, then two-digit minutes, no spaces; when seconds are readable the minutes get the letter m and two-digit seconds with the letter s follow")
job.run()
4h46
